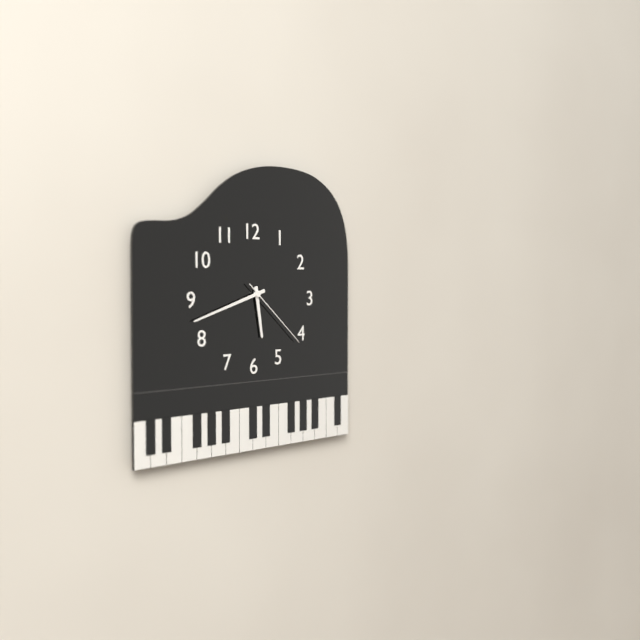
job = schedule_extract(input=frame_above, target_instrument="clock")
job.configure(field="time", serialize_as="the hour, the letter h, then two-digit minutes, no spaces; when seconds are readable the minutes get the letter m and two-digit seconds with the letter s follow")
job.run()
5h42m22s
